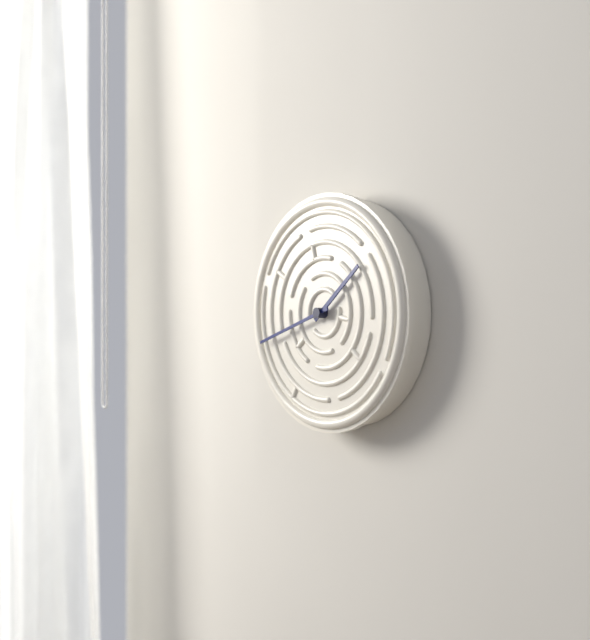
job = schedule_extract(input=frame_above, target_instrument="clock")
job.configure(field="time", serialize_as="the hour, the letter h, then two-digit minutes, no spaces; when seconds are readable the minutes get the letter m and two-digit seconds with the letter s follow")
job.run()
1h42
